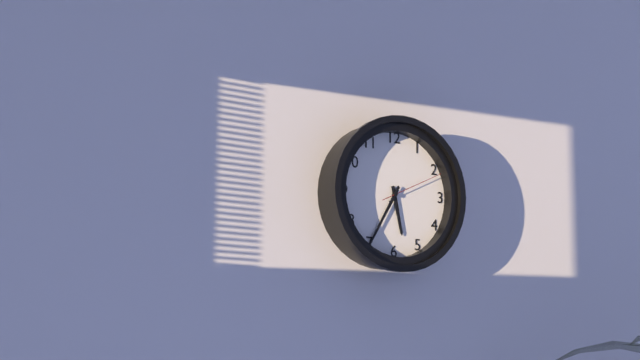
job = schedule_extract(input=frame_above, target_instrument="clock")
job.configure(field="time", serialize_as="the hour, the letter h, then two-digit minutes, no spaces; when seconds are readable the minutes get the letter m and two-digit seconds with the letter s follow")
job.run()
5h35m11s
